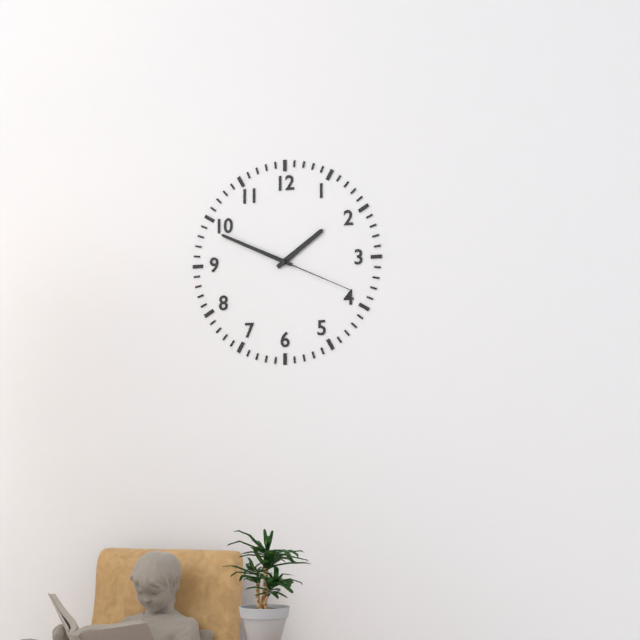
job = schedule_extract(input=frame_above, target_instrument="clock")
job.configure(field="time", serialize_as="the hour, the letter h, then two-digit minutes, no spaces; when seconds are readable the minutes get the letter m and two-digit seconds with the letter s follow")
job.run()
1h49m19s
